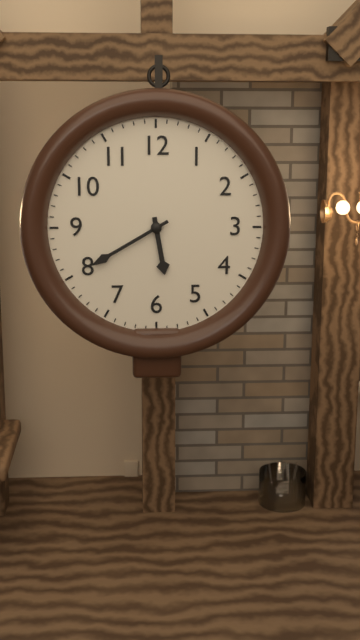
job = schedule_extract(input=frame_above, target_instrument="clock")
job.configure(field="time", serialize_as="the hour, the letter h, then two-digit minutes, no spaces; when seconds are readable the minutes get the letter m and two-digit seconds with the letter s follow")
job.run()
5h40
